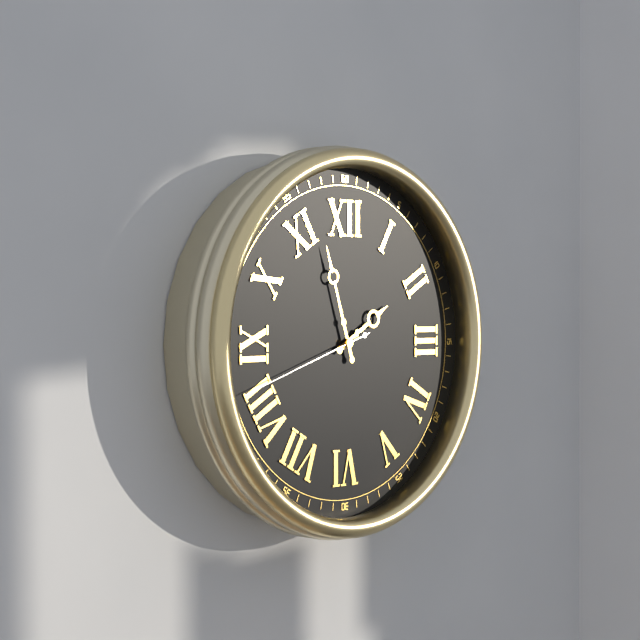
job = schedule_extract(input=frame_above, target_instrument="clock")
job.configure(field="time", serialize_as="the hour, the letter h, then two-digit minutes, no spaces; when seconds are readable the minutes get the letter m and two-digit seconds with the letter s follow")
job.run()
1h57m42s
